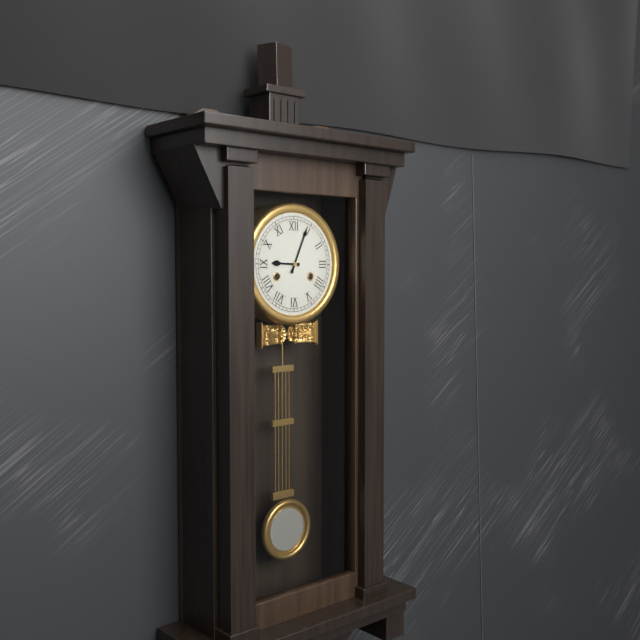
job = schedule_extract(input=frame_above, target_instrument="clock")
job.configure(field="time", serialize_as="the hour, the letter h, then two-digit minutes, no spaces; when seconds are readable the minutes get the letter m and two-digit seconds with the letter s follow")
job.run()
9h04
